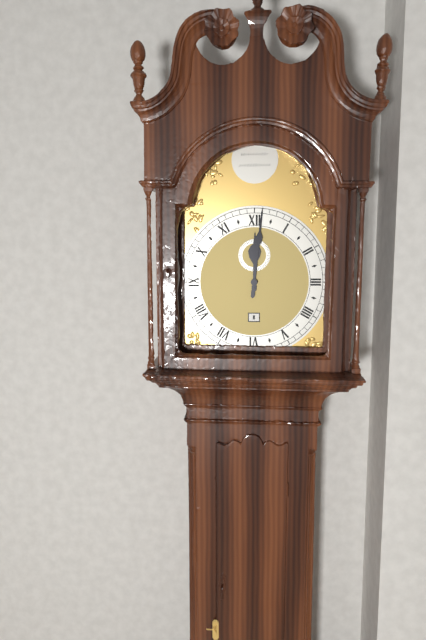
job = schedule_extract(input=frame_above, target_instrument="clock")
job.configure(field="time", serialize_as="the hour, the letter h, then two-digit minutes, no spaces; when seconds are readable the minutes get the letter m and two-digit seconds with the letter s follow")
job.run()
12h01
